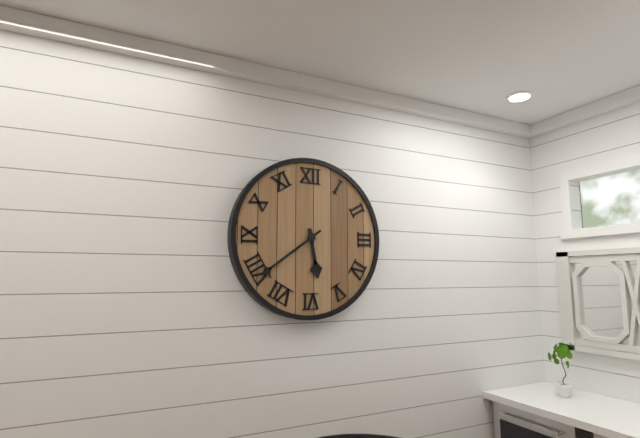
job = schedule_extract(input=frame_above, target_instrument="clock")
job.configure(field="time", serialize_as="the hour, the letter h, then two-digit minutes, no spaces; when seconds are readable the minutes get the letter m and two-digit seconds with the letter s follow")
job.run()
5h39
